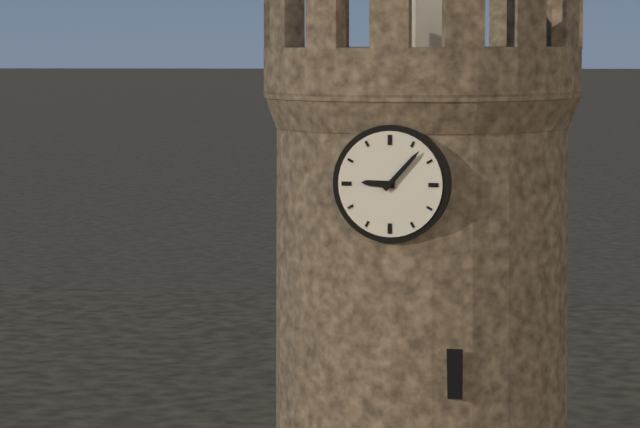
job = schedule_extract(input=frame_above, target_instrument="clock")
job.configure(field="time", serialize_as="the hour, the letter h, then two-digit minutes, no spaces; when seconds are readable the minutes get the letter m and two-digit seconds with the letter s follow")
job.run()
9h07
